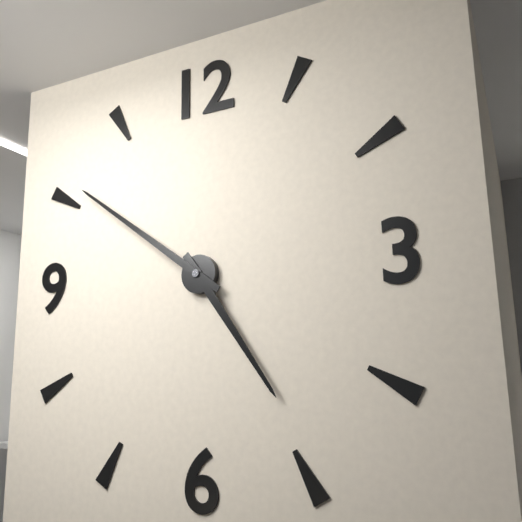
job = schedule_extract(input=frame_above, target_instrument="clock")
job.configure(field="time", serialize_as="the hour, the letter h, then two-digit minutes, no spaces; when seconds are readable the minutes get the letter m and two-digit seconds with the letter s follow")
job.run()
4h51
